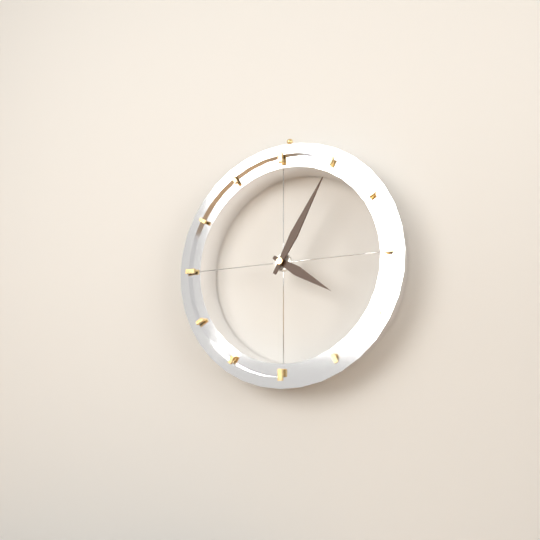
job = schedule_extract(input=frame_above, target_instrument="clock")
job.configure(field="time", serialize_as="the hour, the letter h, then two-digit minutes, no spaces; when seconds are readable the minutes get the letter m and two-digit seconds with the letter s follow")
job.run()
4h05
